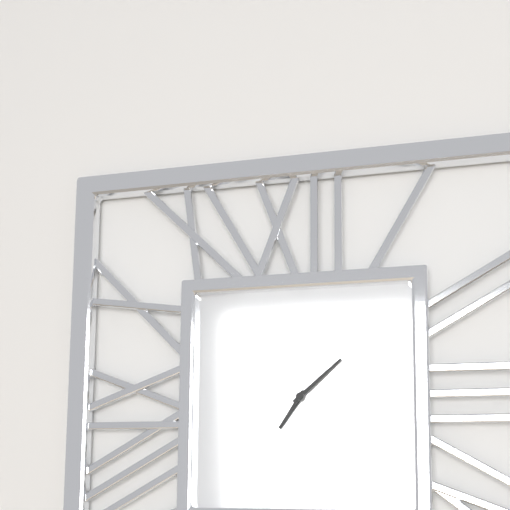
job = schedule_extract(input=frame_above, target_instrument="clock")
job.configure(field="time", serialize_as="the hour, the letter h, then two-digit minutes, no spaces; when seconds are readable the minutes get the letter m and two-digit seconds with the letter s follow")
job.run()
7h08
